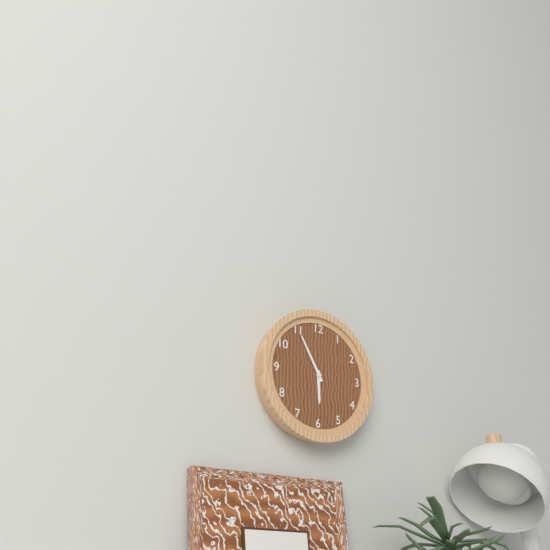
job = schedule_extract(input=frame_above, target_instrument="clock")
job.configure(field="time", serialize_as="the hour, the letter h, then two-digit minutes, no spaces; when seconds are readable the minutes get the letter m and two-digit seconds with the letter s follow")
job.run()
5h55
